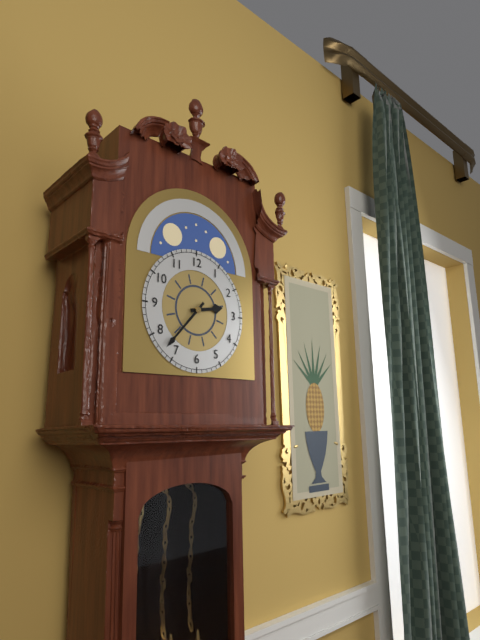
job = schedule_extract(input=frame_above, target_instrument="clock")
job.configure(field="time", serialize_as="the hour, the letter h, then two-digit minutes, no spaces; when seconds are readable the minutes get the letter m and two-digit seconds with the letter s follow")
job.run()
2h37
